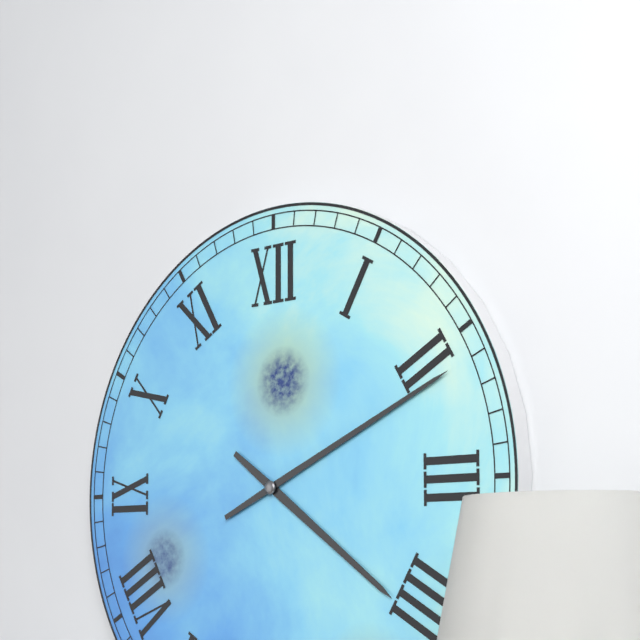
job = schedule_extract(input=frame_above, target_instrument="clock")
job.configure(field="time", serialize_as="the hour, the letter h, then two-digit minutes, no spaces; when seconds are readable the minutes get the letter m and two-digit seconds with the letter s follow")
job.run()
4h11
